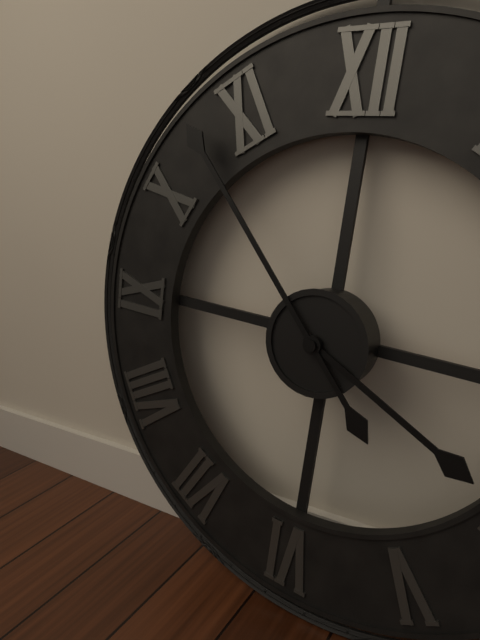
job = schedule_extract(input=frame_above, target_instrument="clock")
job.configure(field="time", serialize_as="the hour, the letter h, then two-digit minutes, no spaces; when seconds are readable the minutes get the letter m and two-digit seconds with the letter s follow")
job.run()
3h53
